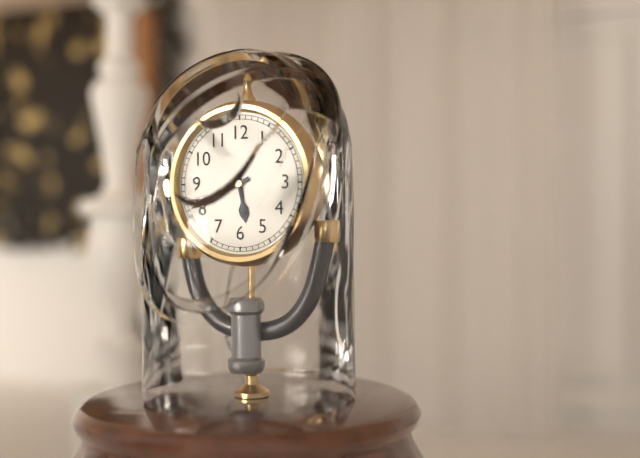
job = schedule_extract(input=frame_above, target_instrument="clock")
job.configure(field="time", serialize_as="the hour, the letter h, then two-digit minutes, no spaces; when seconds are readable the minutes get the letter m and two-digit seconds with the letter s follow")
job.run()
5h41
